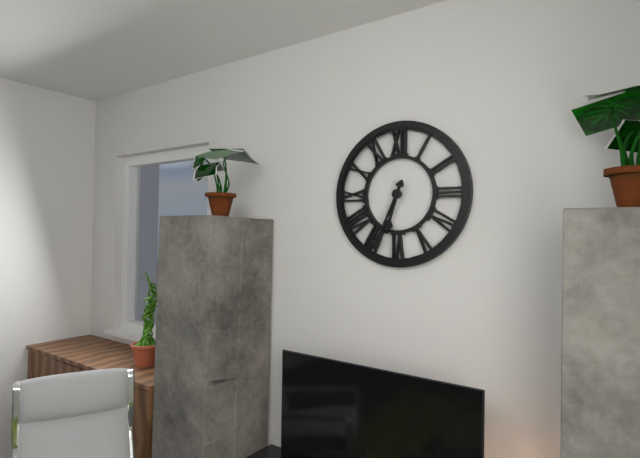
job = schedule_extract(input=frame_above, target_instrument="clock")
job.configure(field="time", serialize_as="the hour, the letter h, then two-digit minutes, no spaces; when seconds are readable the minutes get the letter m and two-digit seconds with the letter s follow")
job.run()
6h34
